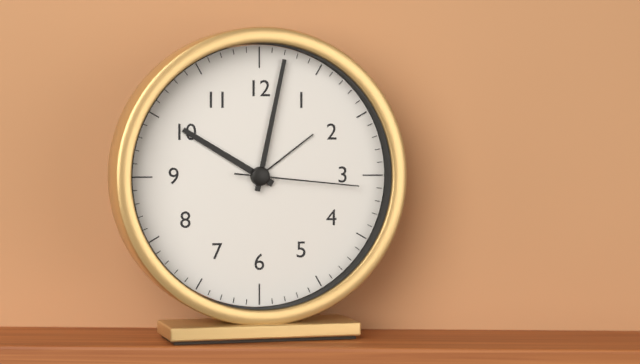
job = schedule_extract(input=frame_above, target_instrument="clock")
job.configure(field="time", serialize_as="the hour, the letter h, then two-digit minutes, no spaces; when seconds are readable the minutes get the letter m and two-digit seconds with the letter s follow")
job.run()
10h02m16s
